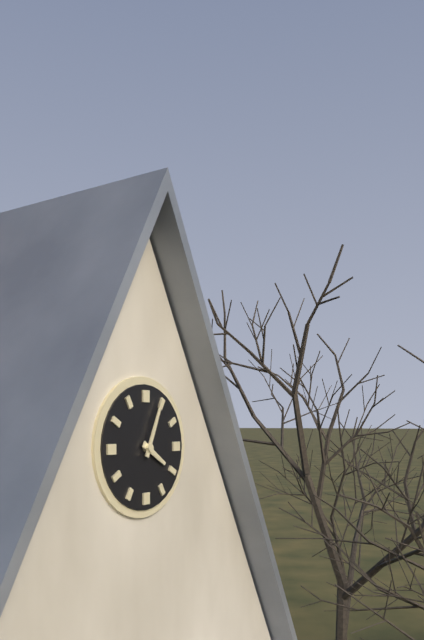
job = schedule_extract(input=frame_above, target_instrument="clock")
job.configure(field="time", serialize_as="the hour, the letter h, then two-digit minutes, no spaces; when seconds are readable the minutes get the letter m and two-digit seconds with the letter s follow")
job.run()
4h04
